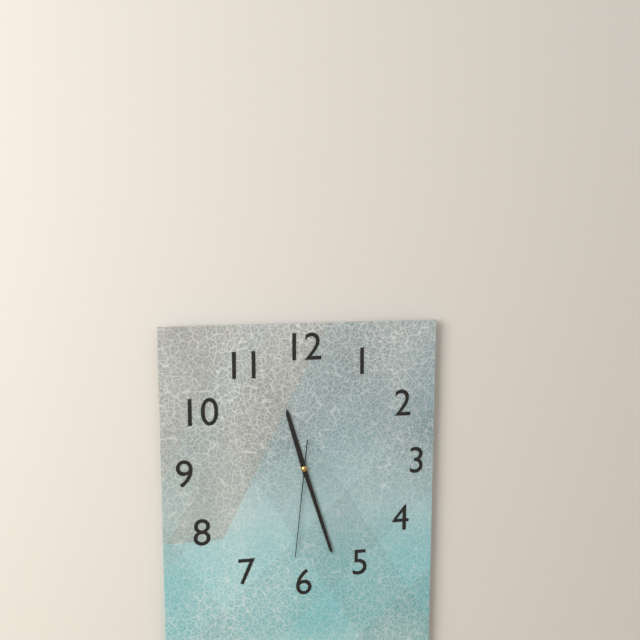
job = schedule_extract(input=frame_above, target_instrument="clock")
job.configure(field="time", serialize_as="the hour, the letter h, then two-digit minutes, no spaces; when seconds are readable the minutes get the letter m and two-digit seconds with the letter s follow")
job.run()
11h27m31s
